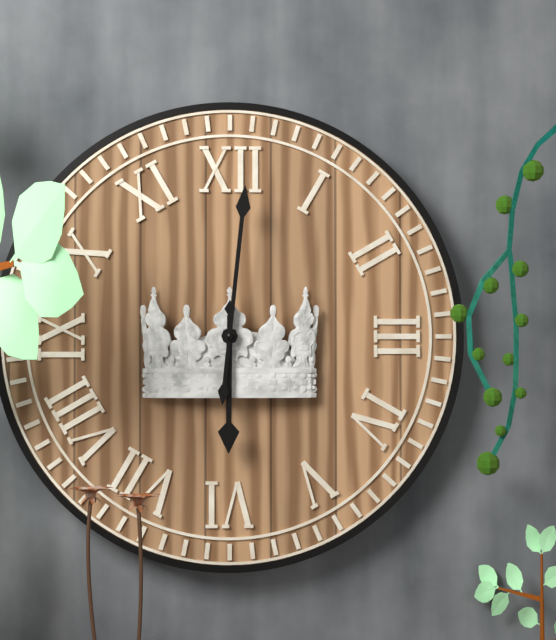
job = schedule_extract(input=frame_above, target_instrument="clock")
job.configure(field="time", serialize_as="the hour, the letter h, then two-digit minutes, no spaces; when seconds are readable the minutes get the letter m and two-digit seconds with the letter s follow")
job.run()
6h01
